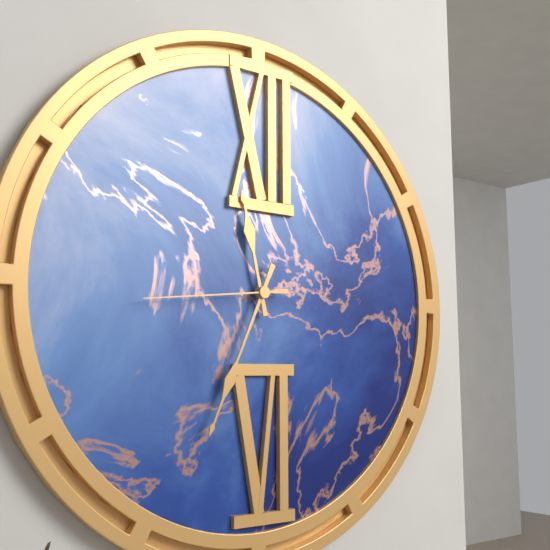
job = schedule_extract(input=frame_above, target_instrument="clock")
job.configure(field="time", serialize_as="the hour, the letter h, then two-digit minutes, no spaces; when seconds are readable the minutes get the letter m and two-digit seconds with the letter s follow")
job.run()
11h34m44s
